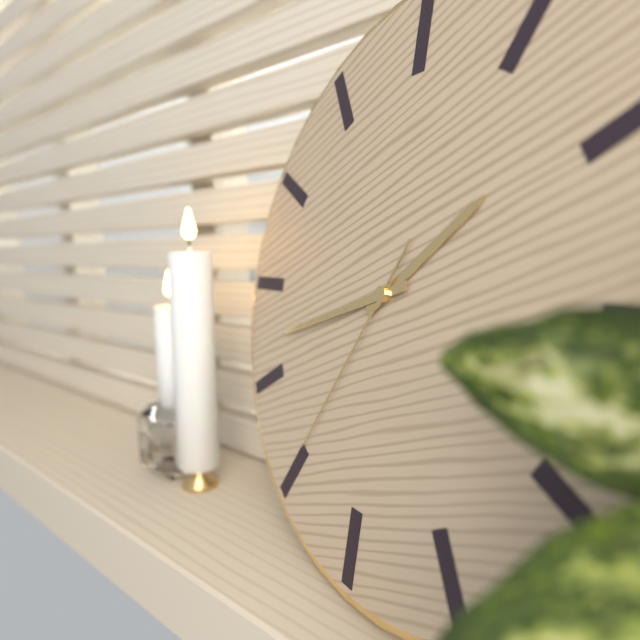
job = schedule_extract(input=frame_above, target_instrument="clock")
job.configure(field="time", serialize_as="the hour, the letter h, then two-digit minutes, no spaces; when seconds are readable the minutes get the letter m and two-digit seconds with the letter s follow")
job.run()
1h42m35s
